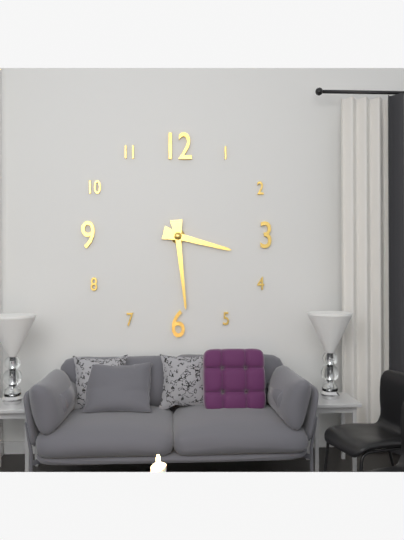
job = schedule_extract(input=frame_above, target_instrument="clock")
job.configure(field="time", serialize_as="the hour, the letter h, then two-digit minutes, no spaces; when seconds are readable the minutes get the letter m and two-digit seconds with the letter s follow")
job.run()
3h29
